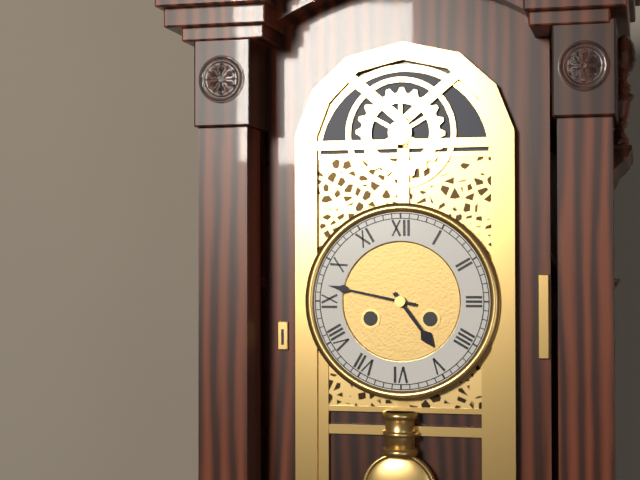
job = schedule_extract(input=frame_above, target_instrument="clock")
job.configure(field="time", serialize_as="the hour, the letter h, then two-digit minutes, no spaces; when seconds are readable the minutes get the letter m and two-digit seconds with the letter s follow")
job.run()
4h47
